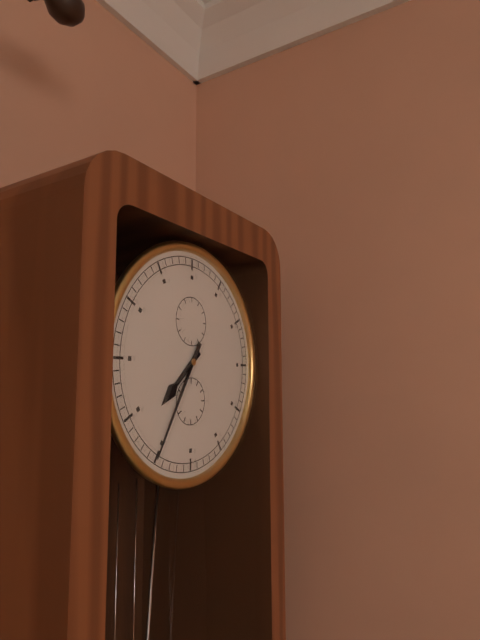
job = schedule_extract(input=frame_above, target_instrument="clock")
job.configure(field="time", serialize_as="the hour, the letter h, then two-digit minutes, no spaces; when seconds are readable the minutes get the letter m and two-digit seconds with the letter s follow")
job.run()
7h35
